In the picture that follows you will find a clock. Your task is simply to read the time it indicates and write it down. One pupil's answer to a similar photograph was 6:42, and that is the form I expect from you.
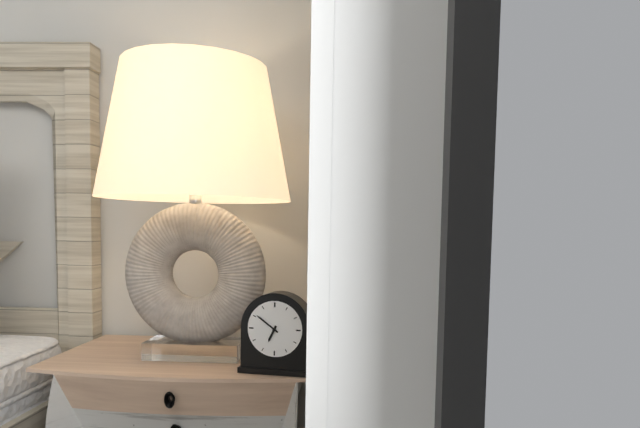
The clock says 6:51
